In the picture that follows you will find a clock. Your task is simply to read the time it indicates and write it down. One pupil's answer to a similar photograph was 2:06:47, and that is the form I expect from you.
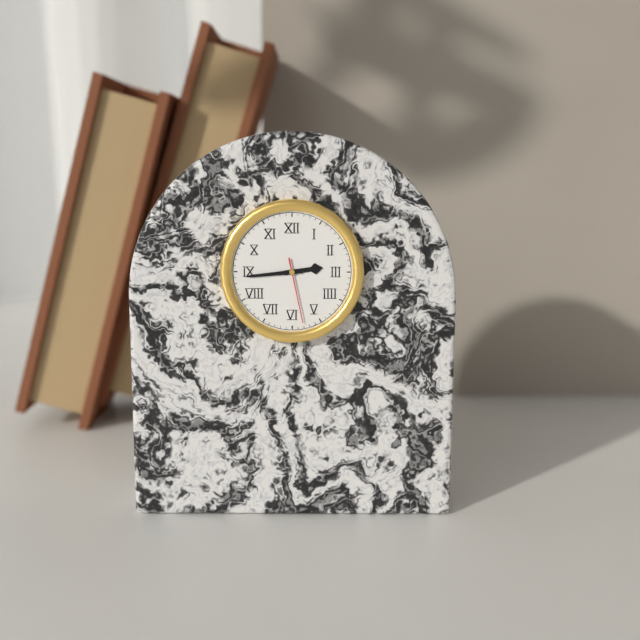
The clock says 2:44:28
